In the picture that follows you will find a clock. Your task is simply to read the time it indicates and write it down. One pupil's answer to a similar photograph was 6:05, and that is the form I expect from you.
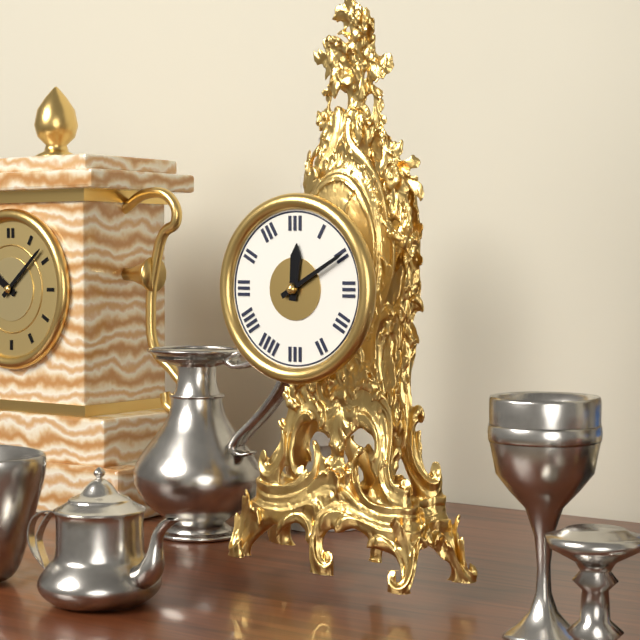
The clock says 12:10
